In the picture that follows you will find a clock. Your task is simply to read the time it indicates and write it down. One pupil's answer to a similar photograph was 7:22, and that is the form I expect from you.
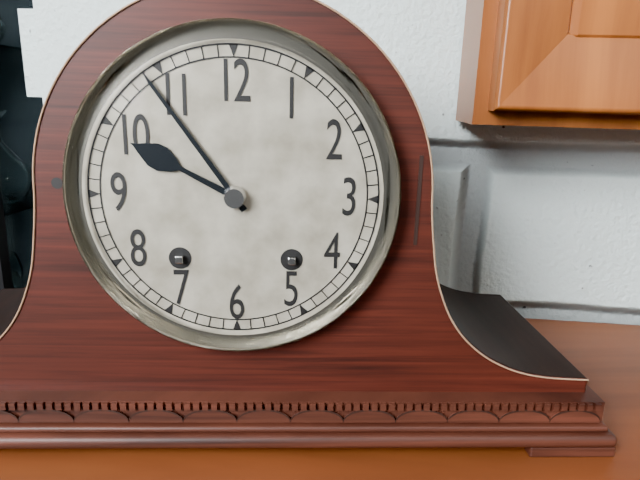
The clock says 9:54
